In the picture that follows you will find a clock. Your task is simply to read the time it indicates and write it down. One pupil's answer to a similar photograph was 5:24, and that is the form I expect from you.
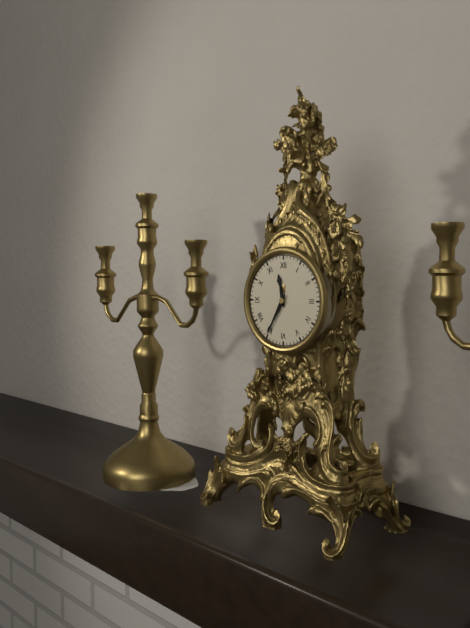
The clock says 11:35
